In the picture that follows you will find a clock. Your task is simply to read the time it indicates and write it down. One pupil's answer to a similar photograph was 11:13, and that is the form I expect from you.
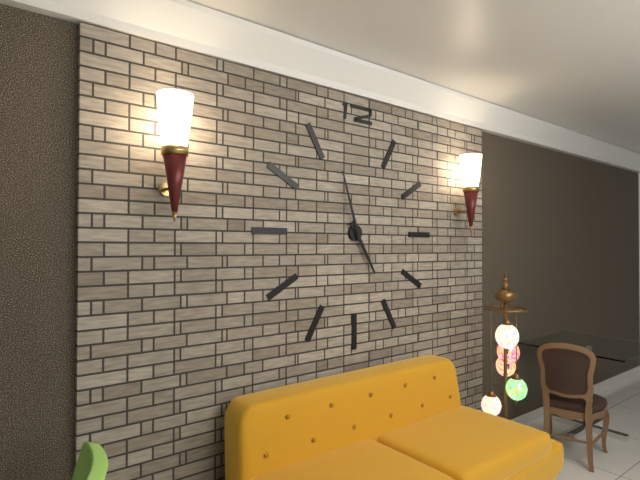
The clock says 4:57
